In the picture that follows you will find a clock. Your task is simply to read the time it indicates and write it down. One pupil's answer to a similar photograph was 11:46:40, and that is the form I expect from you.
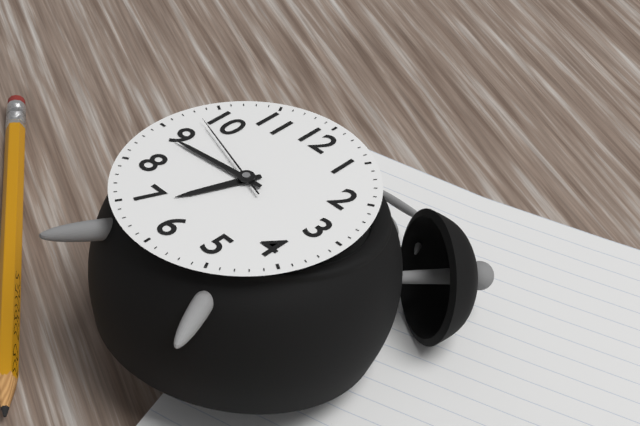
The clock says 6:44:48
